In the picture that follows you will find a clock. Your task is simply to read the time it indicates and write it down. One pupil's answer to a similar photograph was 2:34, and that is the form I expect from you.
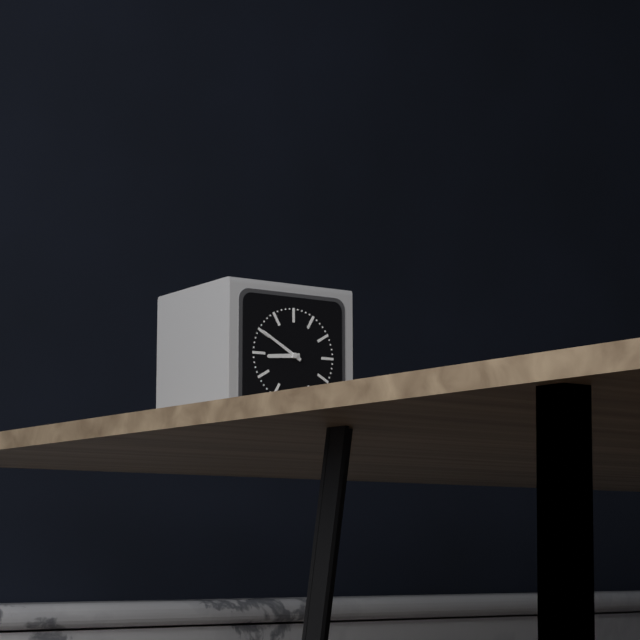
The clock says 8:50
